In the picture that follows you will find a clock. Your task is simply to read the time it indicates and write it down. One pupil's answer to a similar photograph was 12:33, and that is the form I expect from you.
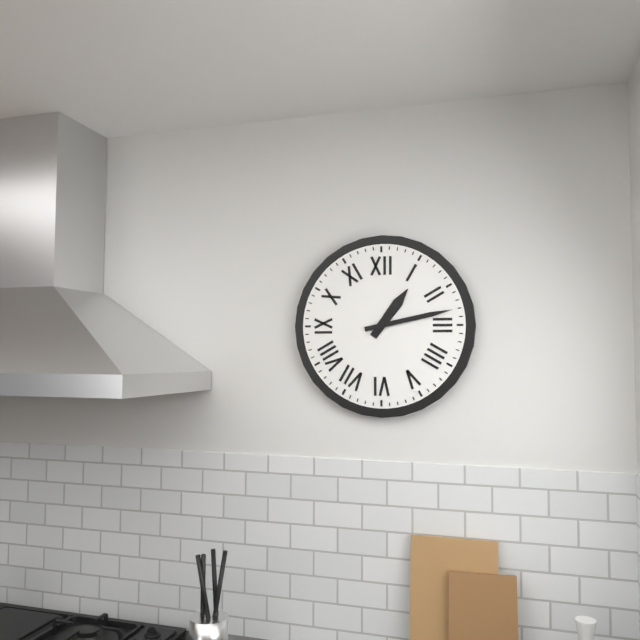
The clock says 1:13
